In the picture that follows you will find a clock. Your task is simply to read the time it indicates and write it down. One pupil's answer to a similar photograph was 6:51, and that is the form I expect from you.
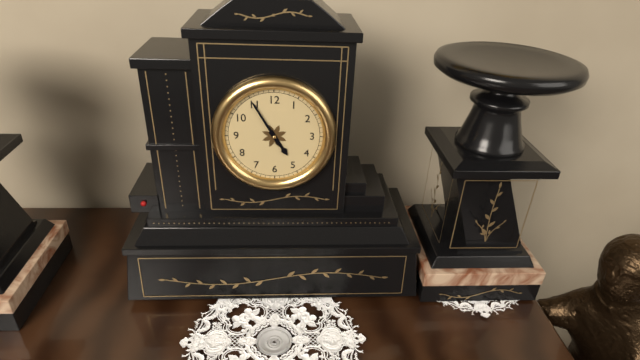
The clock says 4:55
